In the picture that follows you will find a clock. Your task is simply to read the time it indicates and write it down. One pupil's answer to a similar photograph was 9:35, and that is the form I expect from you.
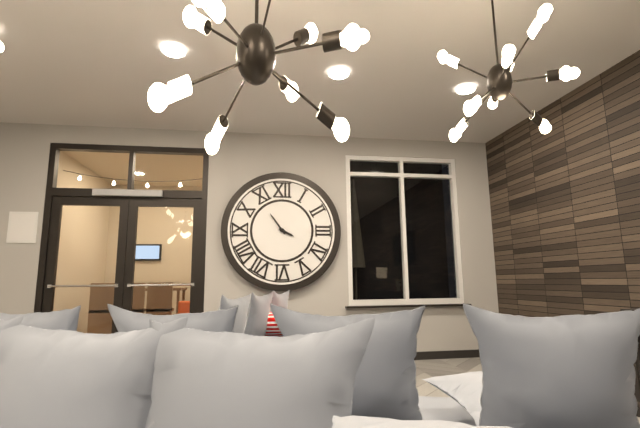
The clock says 3:54
